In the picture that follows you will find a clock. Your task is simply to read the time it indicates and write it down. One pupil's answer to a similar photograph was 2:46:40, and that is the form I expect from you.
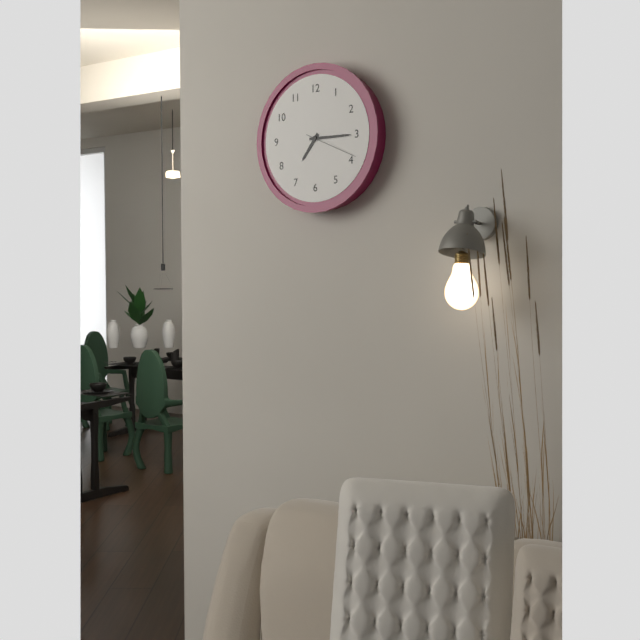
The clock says 7:15:19
